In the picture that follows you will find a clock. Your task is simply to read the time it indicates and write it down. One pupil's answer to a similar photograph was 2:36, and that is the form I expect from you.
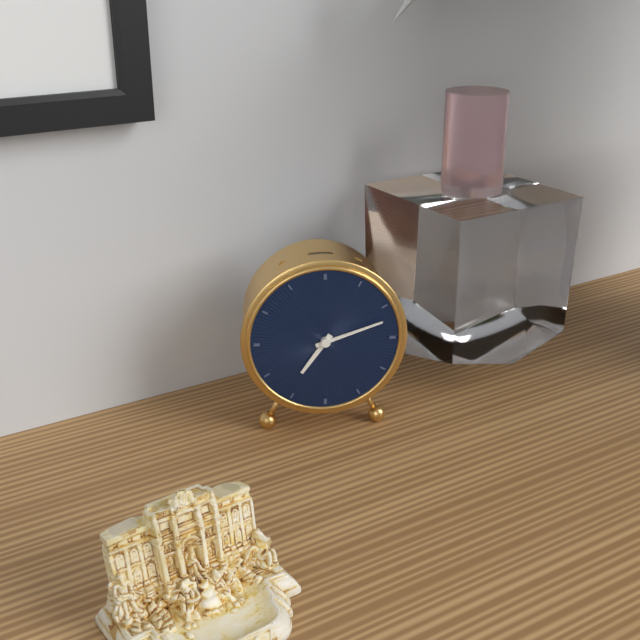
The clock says 7:12
